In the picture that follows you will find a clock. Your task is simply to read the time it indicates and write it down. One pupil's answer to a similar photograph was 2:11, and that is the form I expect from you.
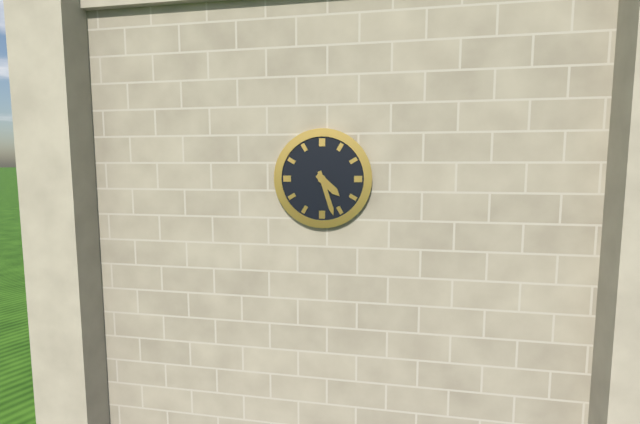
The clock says 4:27
